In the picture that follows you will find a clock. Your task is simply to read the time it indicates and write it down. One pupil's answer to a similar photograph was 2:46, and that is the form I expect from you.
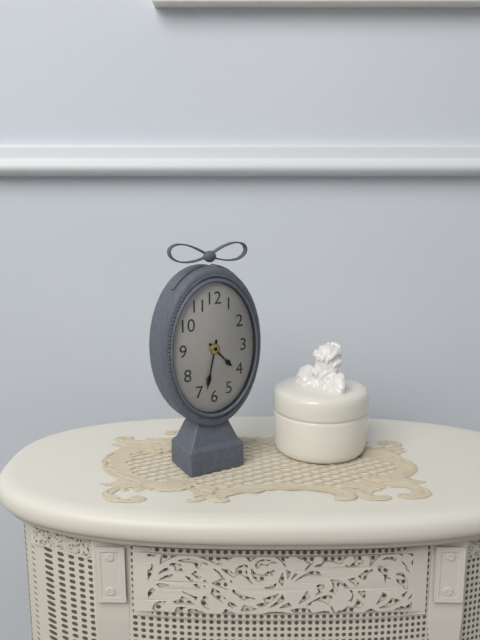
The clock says 4:32
